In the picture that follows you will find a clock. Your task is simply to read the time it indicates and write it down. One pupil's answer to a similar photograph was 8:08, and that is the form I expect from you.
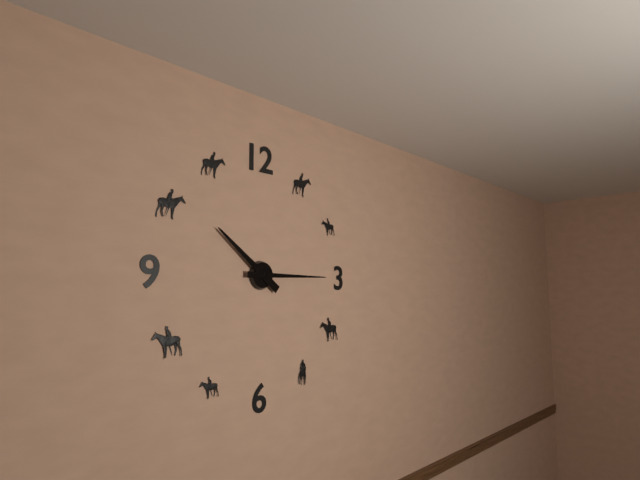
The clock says 10:15
